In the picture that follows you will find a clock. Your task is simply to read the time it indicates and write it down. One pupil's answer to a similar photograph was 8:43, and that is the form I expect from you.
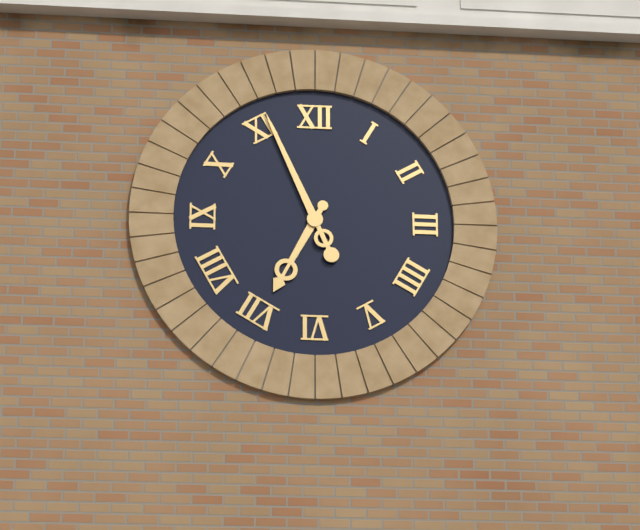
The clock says 6:56
